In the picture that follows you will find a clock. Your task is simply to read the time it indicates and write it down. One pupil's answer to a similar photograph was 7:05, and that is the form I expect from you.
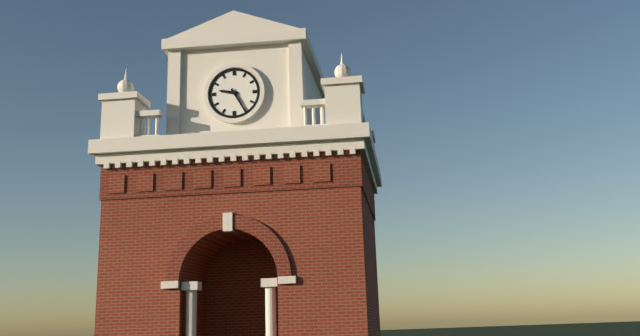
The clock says 9:25
